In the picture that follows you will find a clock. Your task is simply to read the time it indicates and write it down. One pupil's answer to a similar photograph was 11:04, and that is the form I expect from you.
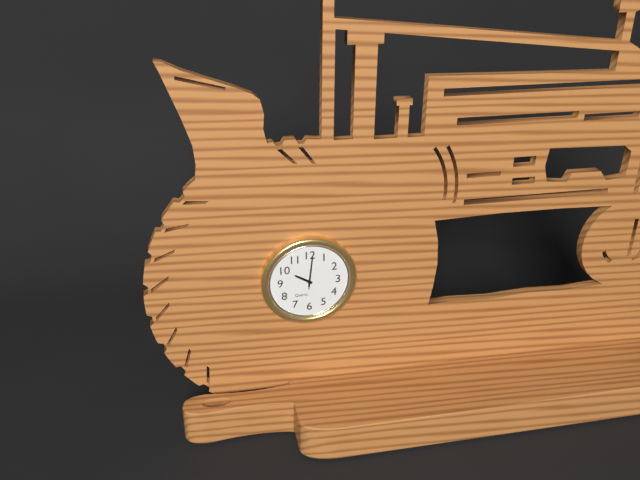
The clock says 10:01
